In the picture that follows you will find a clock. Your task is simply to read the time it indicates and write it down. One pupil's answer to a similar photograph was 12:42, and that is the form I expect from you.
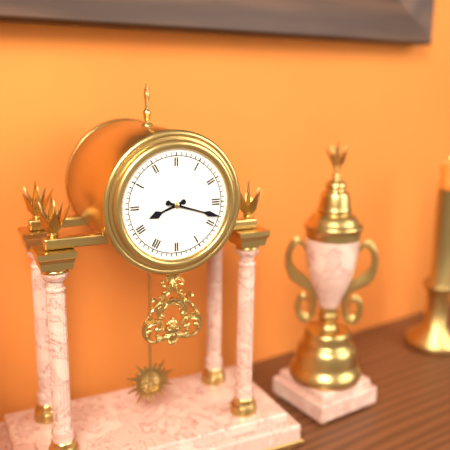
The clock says 8:18
